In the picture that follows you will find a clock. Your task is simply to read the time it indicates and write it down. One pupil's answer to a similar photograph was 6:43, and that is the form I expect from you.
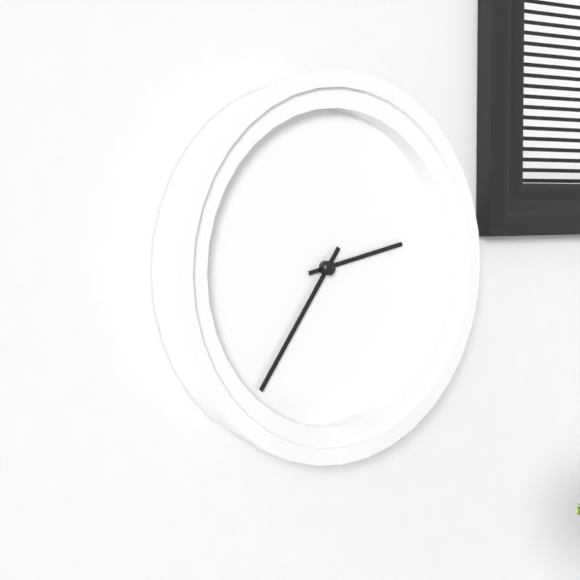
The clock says 2:36
